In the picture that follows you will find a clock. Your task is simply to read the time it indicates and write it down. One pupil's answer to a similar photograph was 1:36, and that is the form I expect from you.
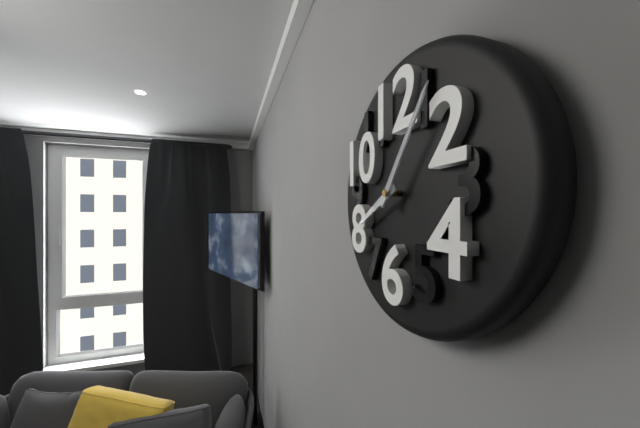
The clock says 8:06
